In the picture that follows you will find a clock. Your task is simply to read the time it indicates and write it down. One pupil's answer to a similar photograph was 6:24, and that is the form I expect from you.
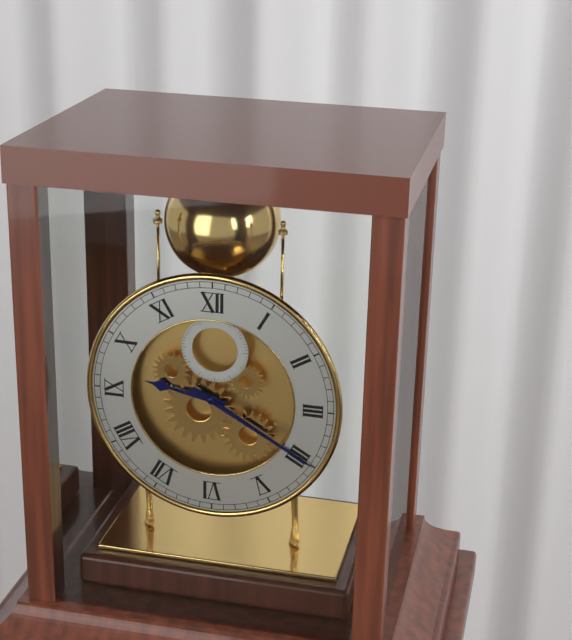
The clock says 9:20
